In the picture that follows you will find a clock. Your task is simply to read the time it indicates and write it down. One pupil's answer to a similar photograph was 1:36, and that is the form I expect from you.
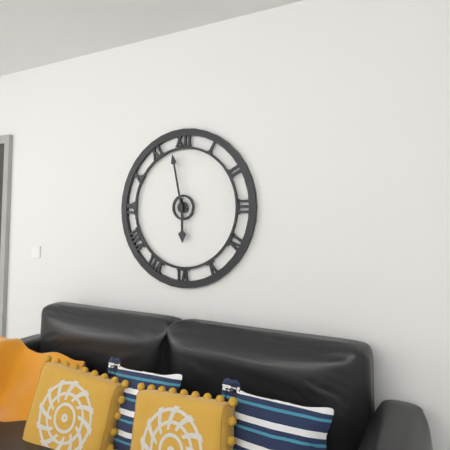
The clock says 5:58
